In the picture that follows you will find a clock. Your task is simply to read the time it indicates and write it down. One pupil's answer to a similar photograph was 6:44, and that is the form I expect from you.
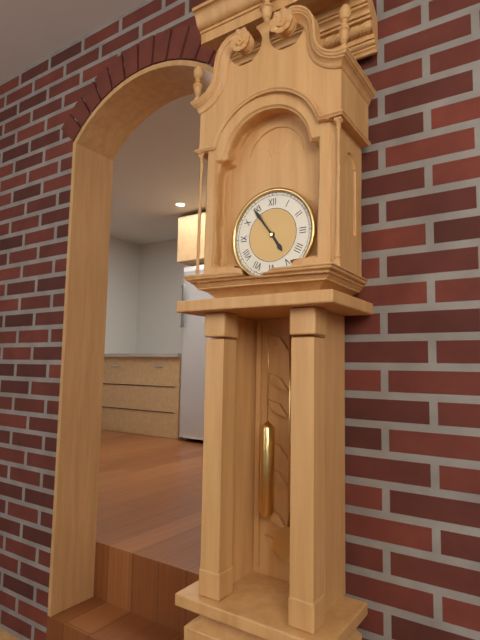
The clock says 4:54
